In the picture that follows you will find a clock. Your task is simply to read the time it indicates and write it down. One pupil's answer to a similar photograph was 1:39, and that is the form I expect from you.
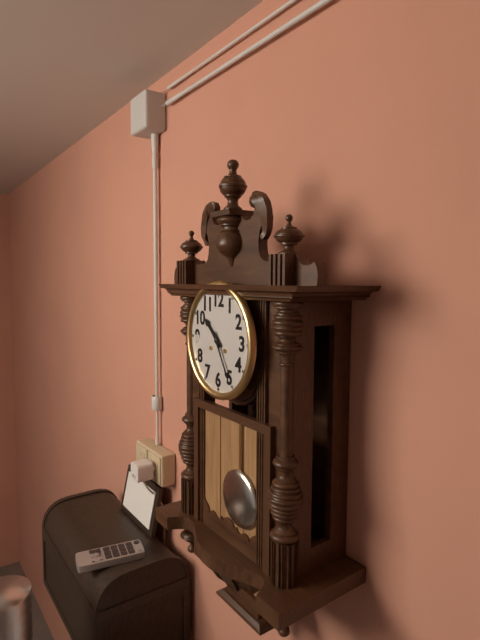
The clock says 10:25
